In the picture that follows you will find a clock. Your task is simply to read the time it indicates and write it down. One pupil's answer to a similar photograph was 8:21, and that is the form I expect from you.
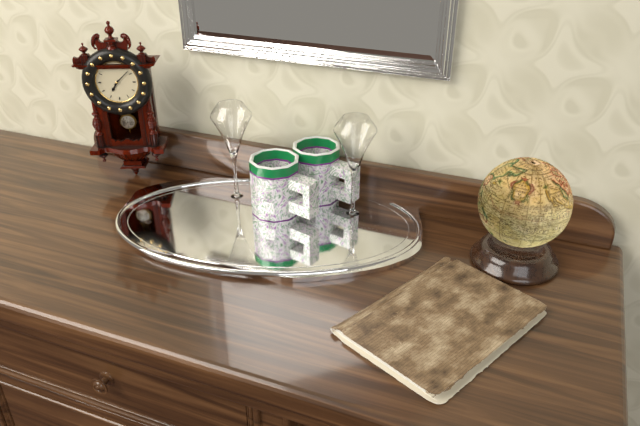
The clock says 7:08
